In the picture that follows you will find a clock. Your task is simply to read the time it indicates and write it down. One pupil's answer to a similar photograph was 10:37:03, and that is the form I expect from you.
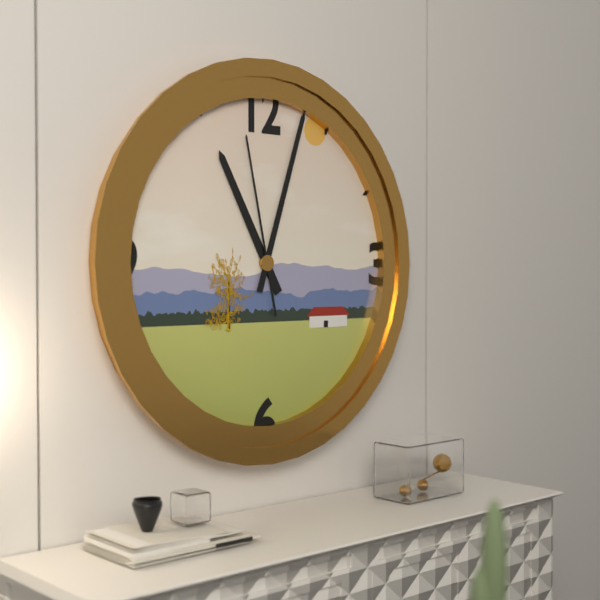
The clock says 11:03:58
